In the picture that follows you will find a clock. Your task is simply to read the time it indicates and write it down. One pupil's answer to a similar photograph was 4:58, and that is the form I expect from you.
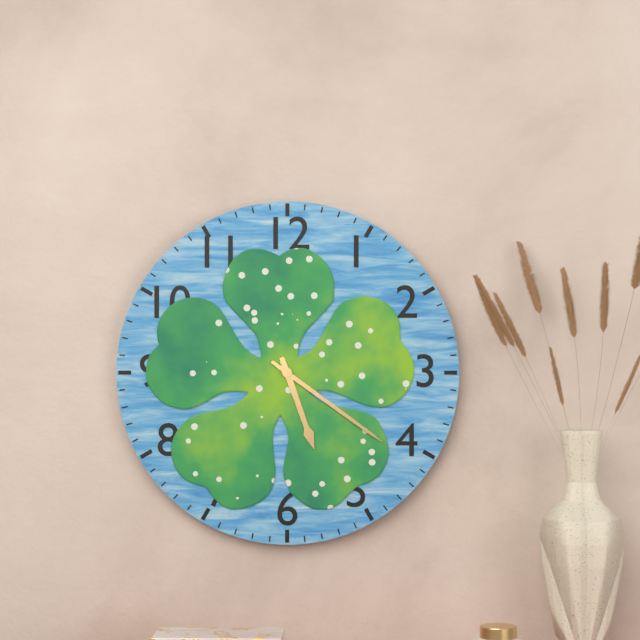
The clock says 5:21
